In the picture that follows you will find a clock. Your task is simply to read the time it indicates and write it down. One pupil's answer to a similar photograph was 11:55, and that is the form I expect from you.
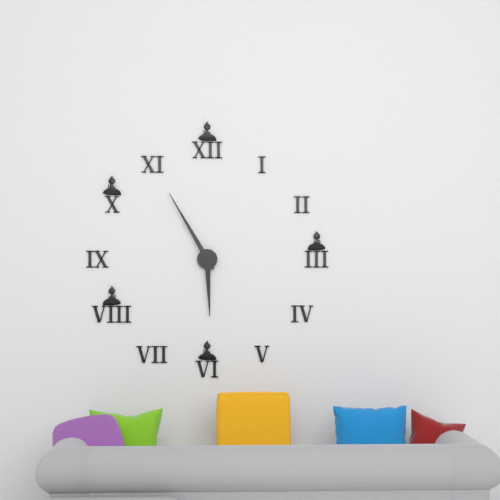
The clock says 5:55
